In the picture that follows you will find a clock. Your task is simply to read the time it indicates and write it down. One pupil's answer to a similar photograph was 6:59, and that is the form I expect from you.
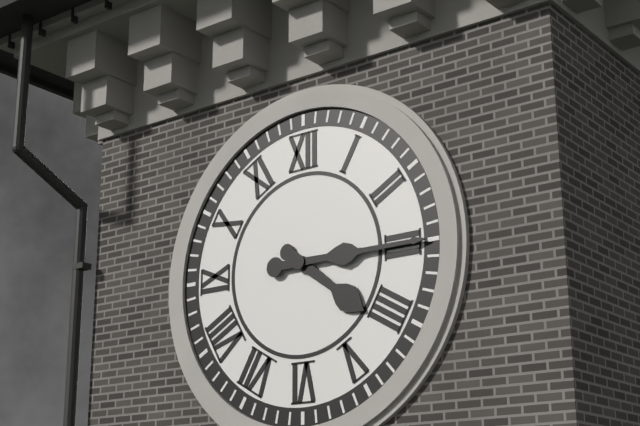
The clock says 4:15
